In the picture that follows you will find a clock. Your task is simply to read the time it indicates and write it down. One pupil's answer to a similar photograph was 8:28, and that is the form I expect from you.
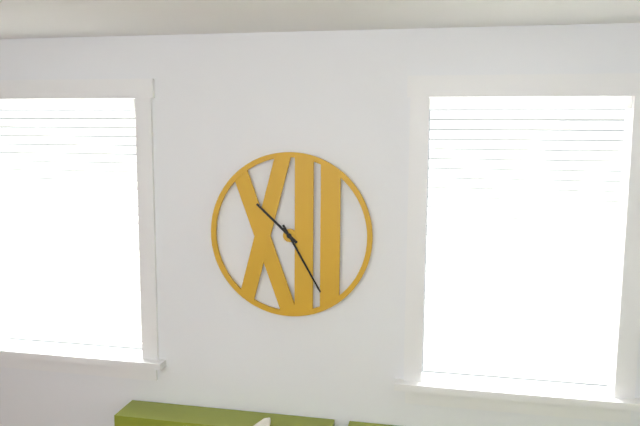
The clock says 10:25
